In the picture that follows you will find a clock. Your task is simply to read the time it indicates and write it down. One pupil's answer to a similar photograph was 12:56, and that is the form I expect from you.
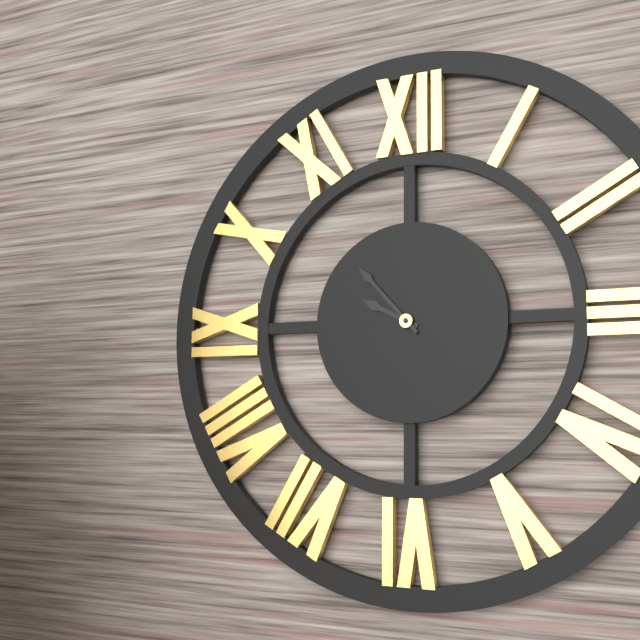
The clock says 9:53
